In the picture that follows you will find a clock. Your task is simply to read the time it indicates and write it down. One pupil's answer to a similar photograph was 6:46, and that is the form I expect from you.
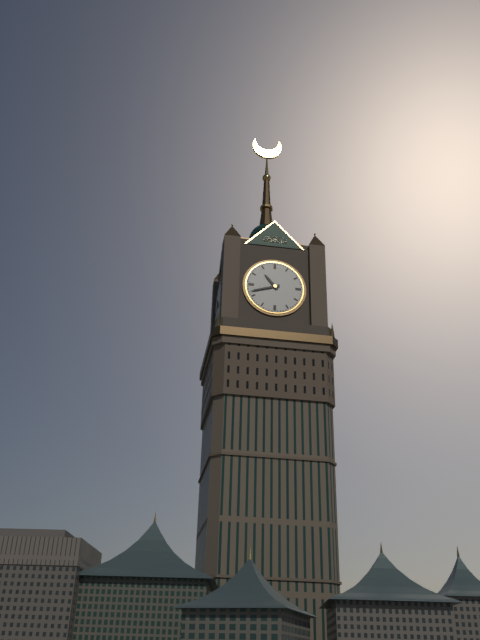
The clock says 10:42
